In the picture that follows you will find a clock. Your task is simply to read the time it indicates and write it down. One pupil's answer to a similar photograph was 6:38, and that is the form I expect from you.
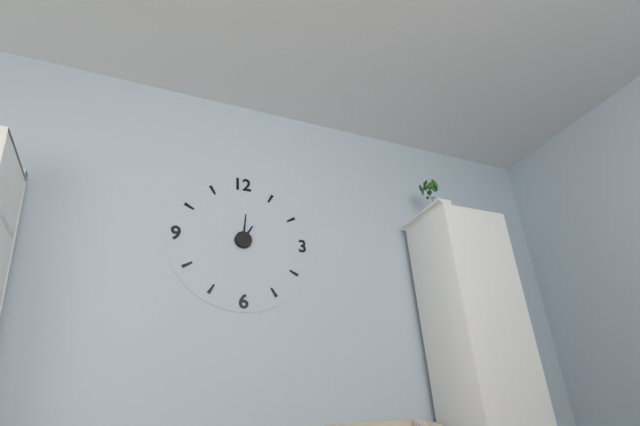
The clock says 1:01
